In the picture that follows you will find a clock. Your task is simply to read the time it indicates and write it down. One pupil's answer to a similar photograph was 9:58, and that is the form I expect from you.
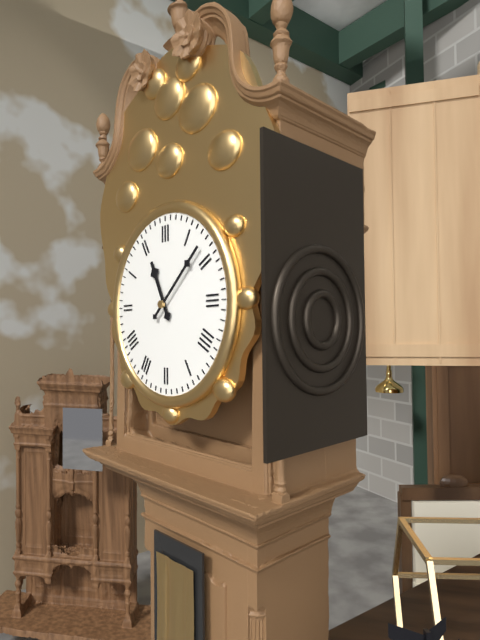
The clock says 11:08
